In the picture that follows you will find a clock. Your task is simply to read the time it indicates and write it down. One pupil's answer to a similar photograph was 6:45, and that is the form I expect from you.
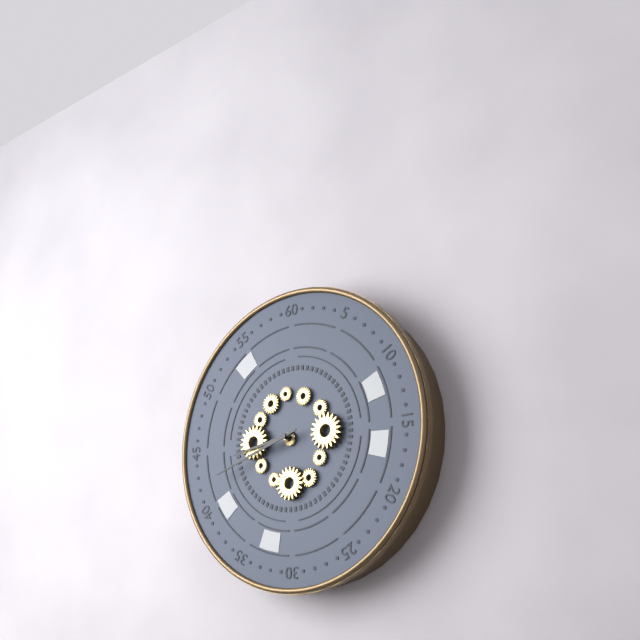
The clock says 8:42
